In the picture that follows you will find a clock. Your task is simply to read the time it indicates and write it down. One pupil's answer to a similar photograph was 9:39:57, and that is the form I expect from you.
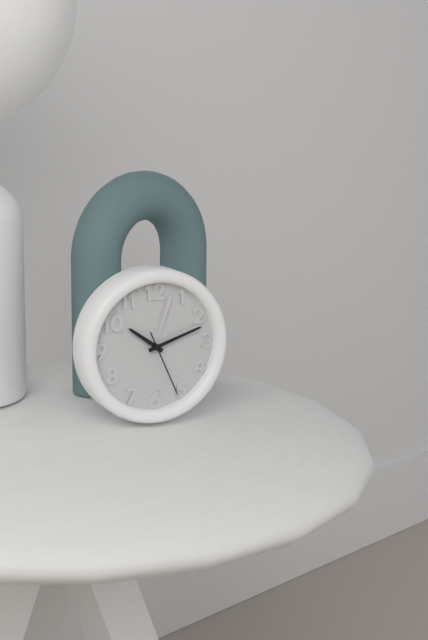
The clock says 10:12:26
